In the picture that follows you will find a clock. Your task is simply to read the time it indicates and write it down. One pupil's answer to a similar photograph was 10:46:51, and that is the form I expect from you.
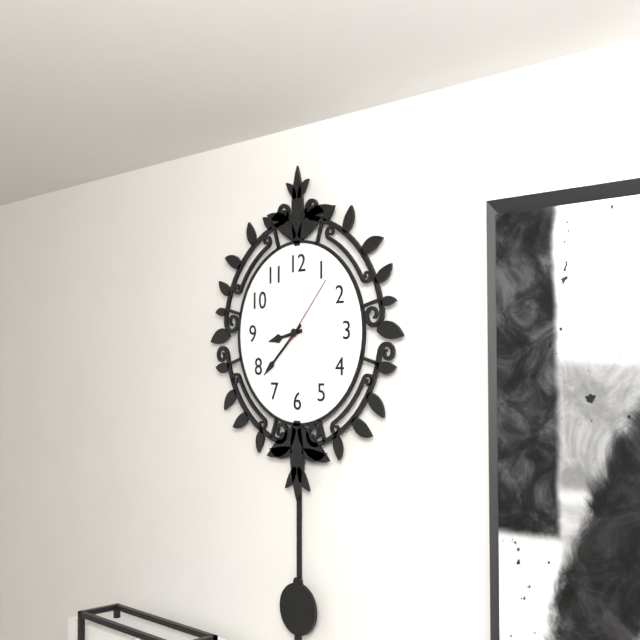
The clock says 8:38:07
